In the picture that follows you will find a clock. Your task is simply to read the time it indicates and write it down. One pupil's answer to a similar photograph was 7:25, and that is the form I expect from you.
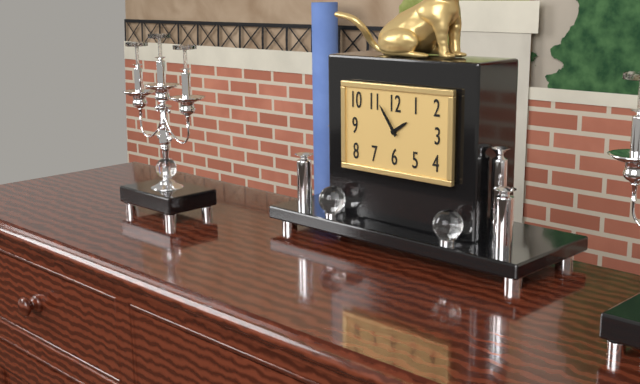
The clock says 1:54
